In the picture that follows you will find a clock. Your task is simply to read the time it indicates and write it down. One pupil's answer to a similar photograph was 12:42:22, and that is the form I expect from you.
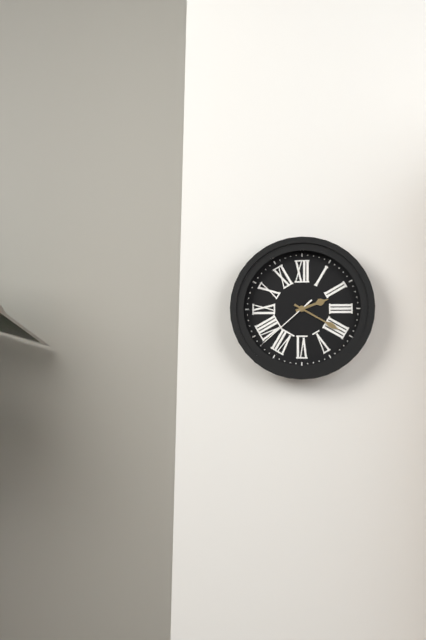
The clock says 2:20:38
